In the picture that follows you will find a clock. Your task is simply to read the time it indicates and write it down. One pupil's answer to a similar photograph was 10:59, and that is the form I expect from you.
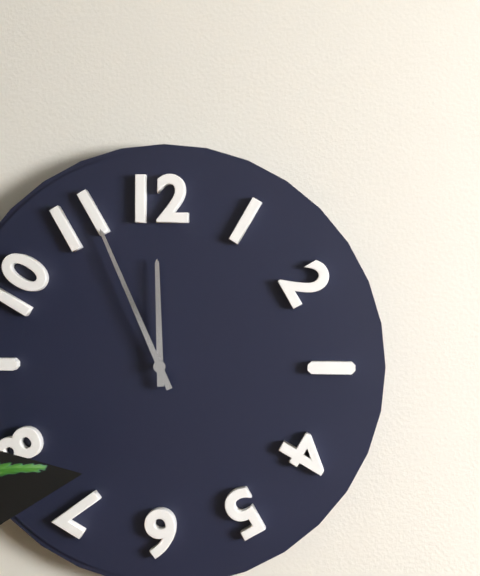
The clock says 11:56
